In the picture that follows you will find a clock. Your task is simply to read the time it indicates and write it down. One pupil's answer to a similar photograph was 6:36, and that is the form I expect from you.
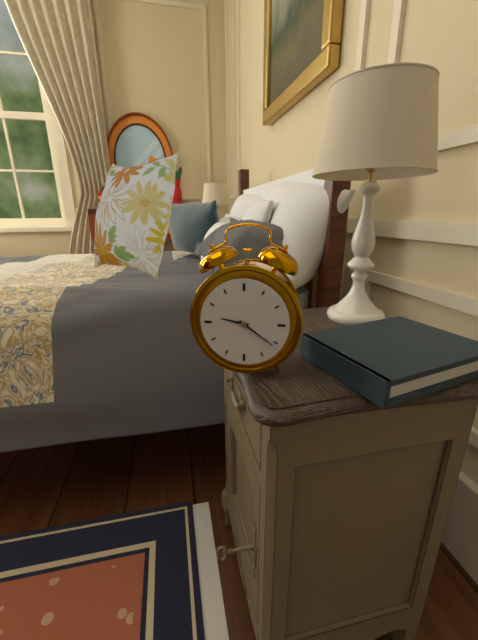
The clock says 9:21
